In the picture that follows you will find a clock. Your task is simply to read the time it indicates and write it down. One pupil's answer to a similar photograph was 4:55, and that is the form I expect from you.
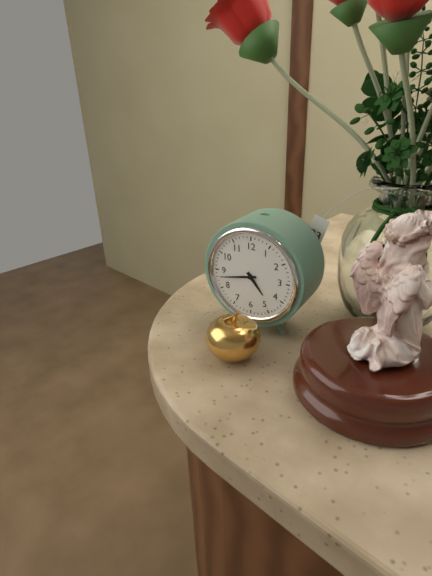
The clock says 4:43
